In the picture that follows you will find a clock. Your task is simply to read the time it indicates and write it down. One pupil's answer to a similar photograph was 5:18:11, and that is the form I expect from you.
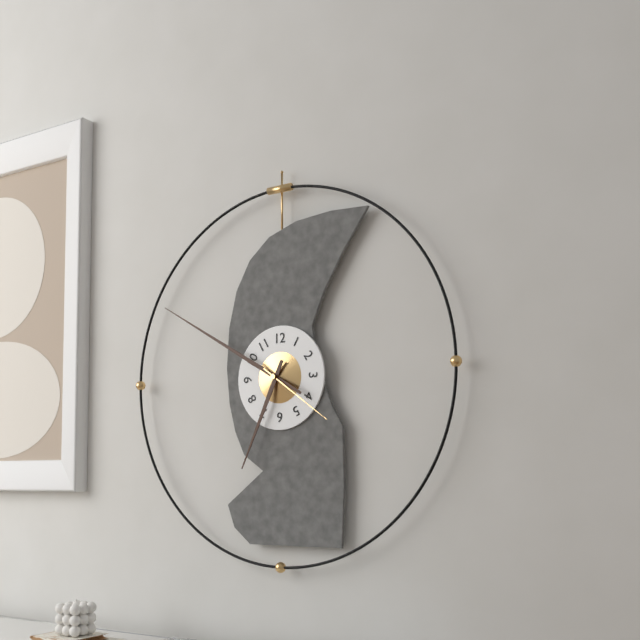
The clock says 6:50:21
